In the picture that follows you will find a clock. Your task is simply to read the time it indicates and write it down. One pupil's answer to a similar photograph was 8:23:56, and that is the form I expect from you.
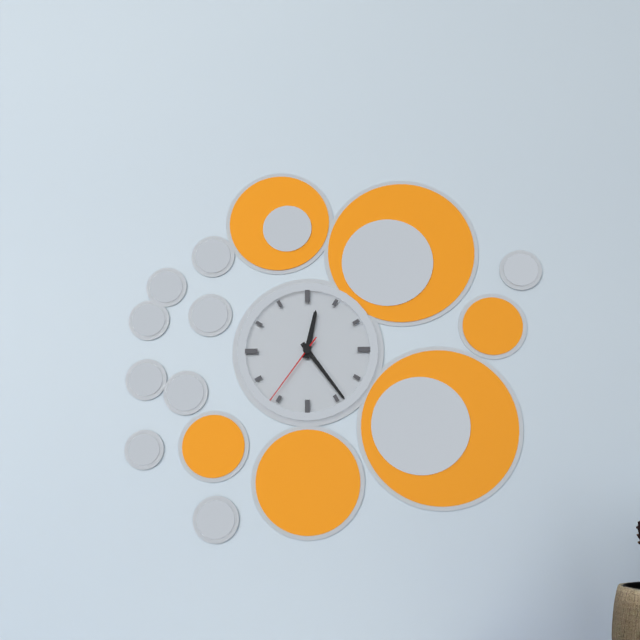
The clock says 12:24:36
